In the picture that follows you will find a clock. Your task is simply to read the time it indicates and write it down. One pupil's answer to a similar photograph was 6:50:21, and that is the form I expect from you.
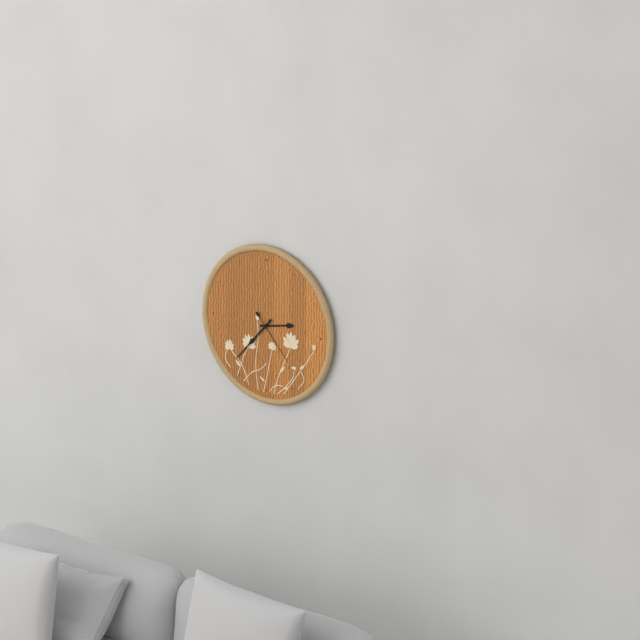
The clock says 2:37:23
